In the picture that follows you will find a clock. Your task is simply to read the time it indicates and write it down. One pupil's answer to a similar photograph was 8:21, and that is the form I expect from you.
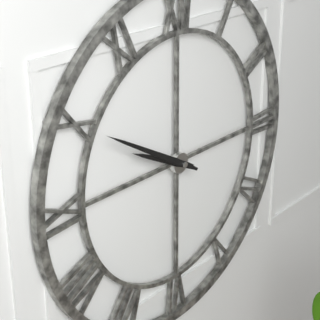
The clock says 9:50
